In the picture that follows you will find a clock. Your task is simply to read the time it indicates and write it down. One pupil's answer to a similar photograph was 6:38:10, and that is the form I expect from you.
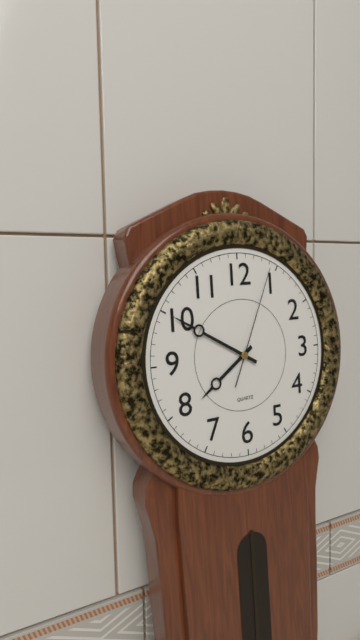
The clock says 7:50:04
